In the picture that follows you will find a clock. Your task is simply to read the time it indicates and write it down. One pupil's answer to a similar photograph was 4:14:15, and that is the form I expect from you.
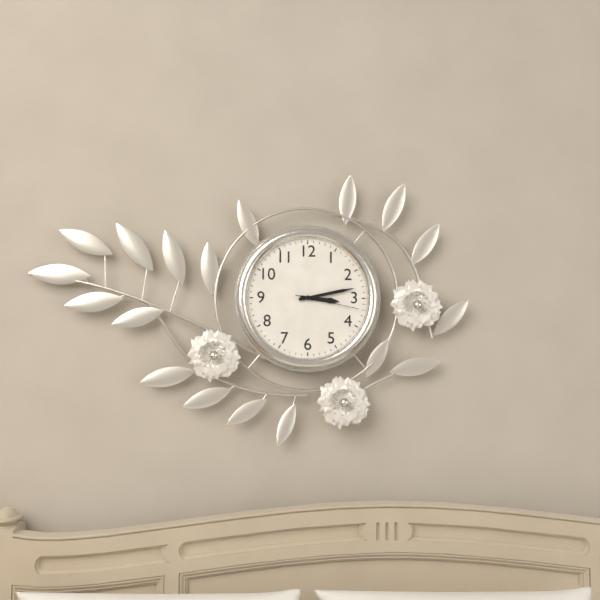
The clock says 3:13:17
